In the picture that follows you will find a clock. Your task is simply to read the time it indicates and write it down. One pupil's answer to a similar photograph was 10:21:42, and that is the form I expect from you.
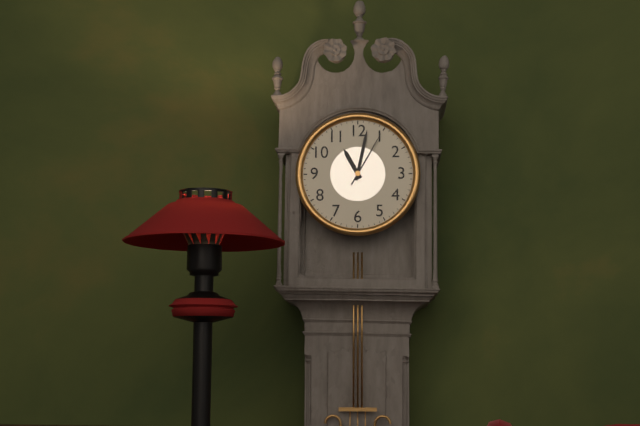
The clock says 11:02:05
